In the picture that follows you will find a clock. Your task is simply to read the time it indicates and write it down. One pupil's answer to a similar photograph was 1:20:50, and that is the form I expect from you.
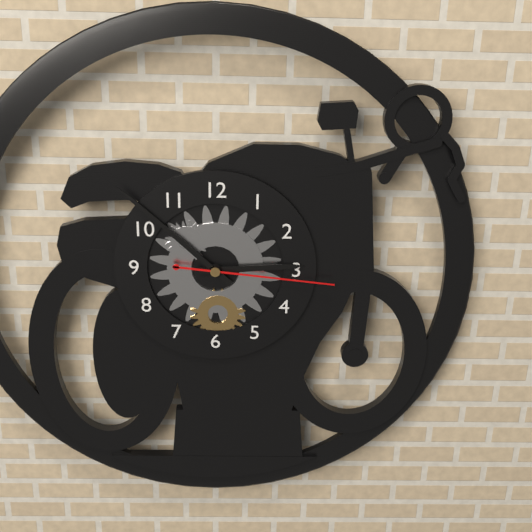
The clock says 2:52:16
